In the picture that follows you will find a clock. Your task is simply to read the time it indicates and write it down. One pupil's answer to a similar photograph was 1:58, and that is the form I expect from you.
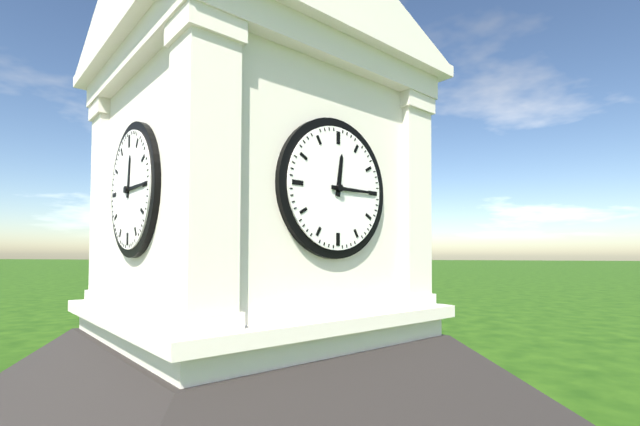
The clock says 12:15
